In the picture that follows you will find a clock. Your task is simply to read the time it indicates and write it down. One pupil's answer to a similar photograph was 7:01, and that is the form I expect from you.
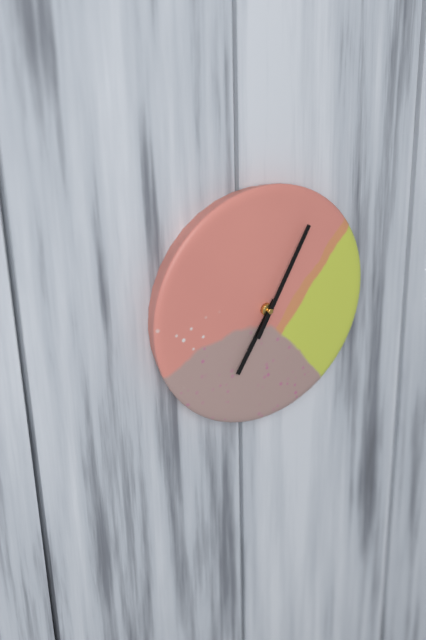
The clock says 7:05
